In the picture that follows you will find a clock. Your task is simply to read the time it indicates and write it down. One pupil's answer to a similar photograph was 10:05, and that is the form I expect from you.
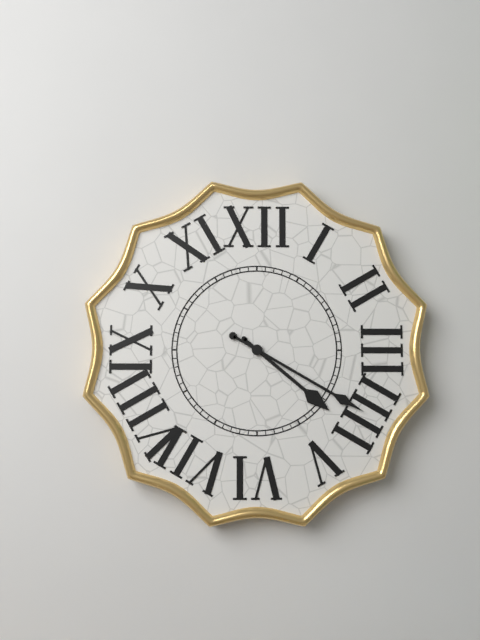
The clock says 4:20
